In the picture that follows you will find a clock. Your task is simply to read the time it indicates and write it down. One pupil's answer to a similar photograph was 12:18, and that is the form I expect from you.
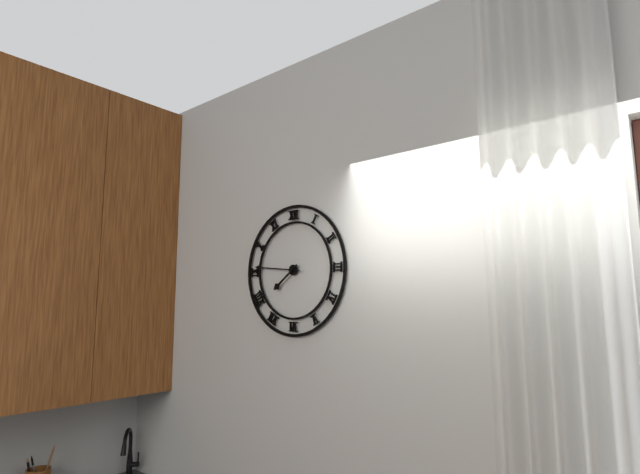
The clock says 7:46
